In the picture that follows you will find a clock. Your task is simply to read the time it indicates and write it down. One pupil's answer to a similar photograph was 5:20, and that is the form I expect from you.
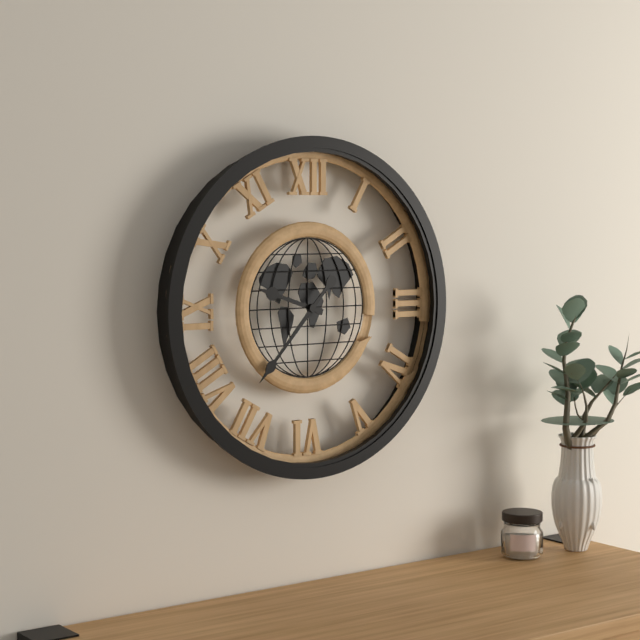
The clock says 9:37
